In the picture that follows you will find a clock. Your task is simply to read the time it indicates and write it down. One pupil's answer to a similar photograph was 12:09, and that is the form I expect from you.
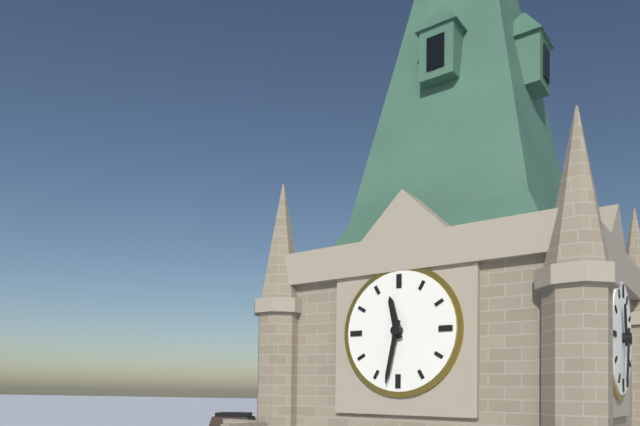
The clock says 11:32
